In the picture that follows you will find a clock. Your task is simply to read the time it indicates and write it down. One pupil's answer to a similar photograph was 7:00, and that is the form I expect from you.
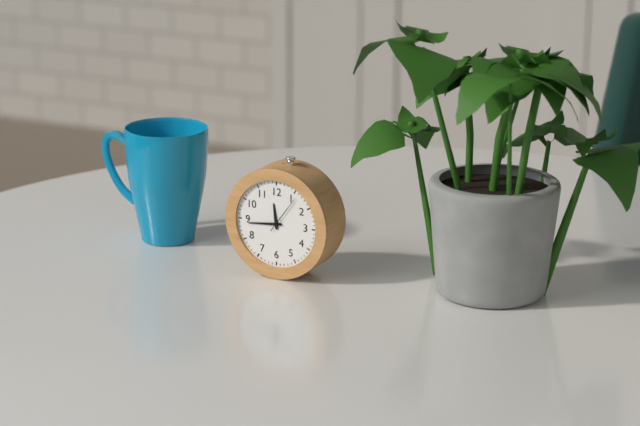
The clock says 11:44
